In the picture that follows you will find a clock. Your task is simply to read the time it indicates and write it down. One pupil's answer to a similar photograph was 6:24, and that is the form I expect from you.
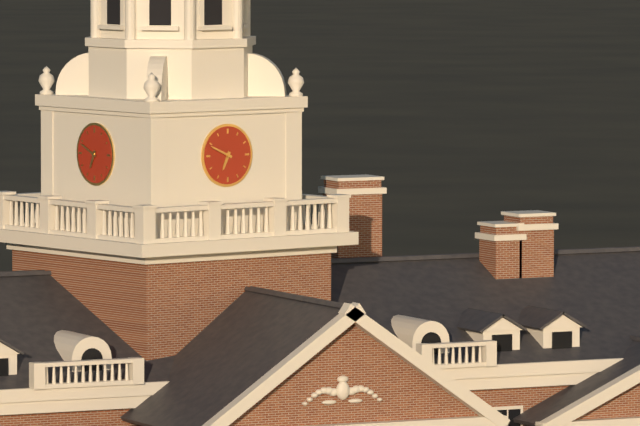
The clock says 6:49
